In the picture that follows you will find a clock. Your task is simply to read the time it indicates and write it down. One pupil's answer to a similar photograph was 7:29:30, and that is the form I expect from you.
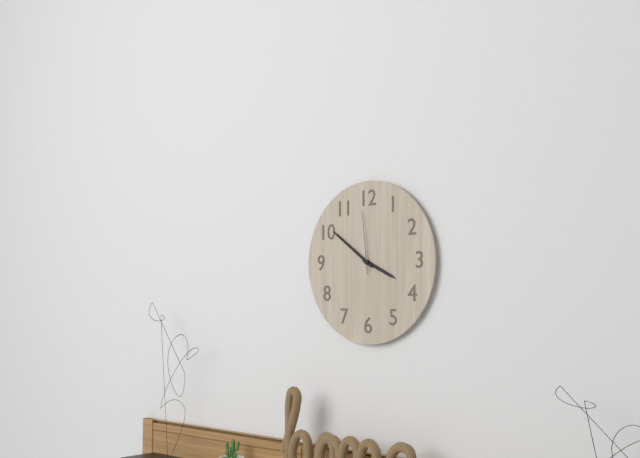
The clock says 3:51:59
